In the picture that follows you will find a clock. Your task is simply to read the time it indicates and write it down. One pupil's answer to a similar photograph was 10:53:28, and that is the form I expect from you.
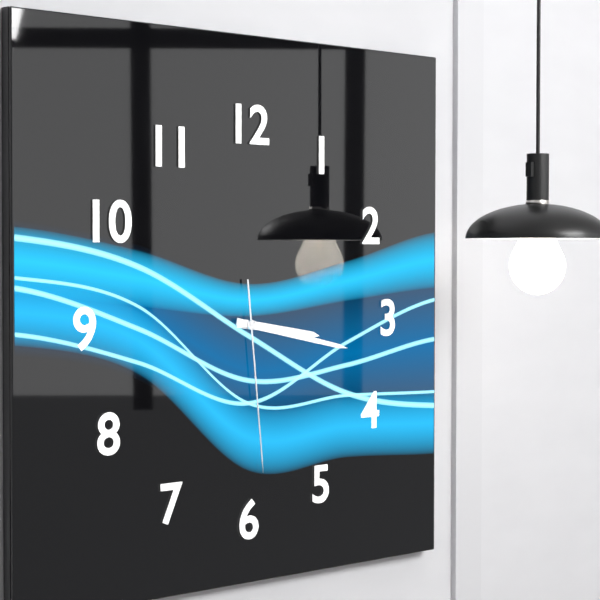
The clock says 3:17:29
